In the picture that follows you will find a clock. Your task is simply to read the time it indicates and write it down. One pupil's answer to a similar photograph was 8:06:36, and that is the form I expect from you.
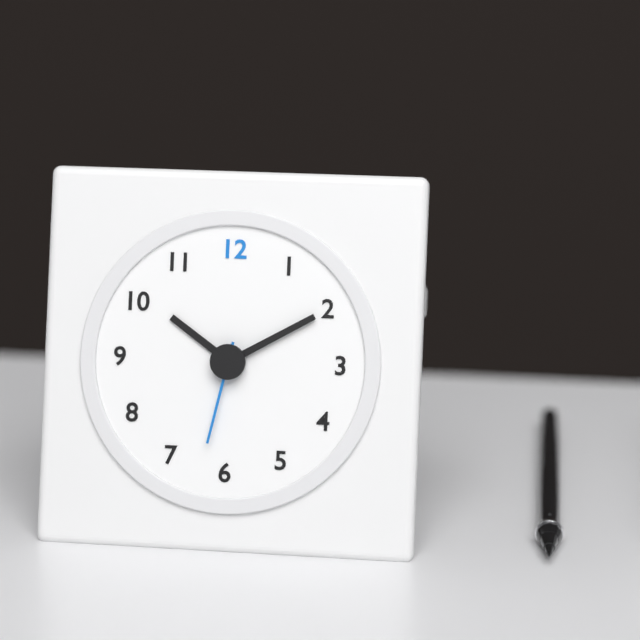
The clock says 10:10:32
